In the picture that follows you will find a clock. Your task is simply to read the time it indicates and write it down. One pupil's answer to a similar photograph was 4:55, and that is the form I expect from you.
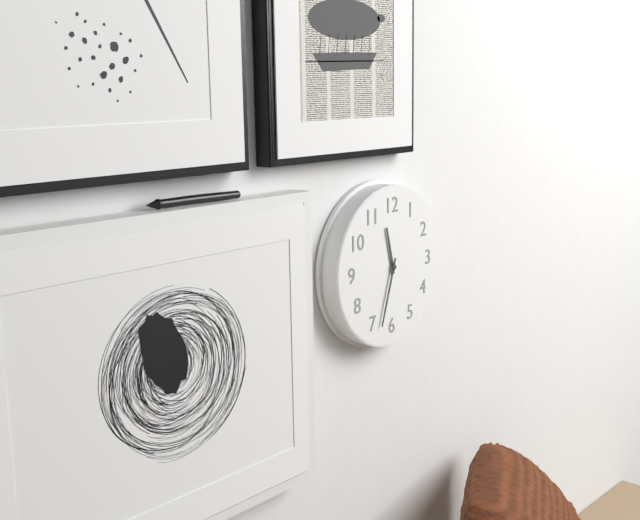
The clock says 11:33
